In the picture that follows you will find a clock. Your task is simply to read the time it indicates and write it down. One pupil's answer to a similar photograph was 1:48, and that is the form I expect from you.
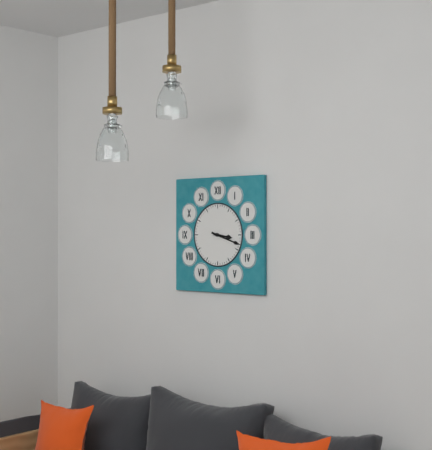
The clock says 3:18
